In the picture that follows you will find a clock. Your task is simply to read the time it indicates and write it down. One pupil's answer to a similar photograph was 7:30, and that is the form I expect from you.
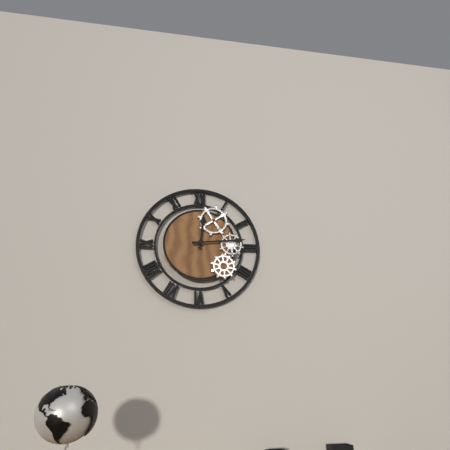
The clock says 12:14
